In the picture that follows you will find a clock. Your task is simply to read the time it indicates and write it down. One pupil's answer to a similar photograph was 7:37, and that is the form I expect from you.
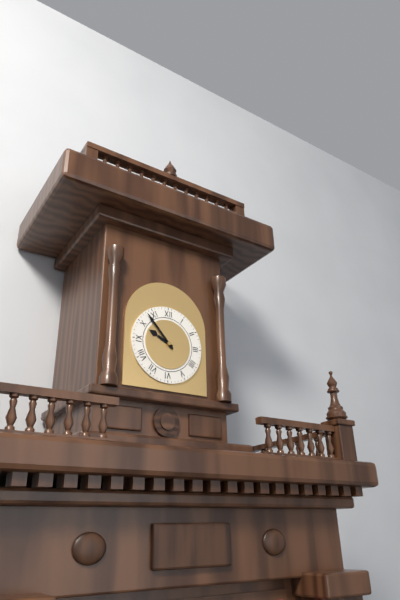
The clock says 9:53
